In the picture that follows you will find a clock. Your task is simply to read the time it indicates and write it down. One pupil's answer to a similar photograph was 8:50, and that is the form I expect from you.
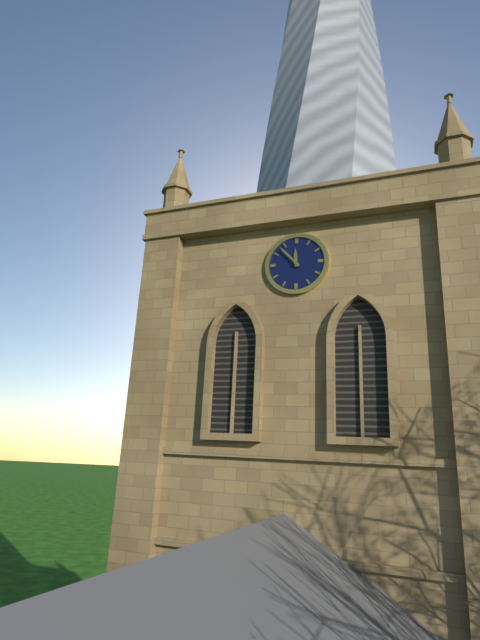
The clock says 11:53
